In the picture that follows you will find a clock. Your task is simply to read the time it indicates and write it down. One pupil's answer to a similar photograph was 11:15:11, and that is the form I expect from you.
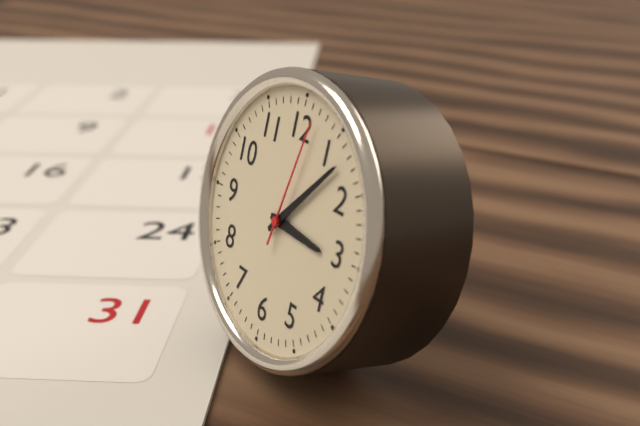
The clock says 3:07:02
